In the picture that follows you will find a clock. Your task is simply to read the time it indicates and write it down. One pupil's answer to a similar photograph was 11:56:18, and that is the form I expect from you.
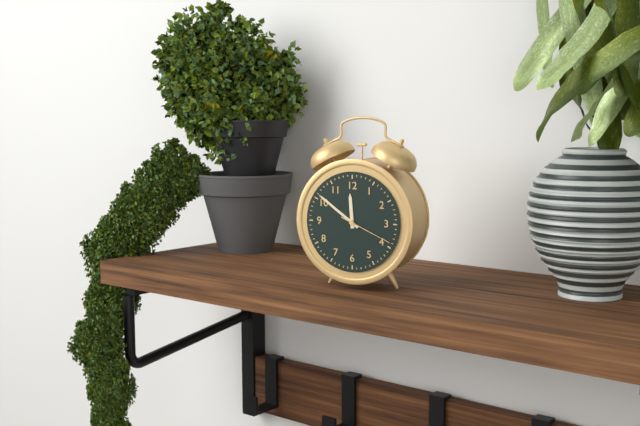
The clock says 11:51:19
